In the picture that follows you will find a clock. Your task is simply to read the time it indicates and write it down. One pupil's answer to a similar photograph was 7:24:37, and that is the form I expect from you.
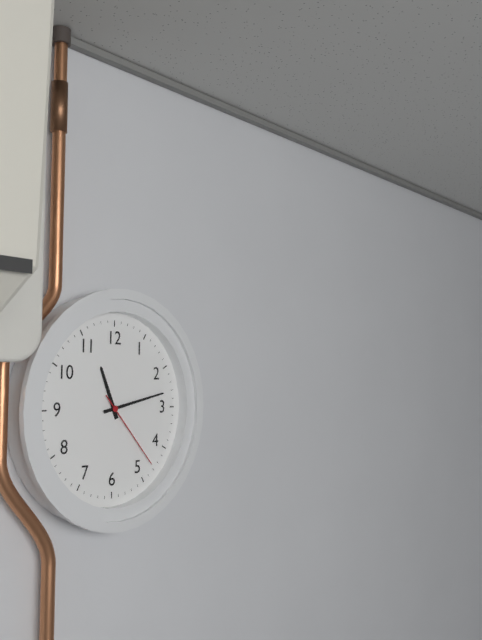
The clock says 11:13:23
